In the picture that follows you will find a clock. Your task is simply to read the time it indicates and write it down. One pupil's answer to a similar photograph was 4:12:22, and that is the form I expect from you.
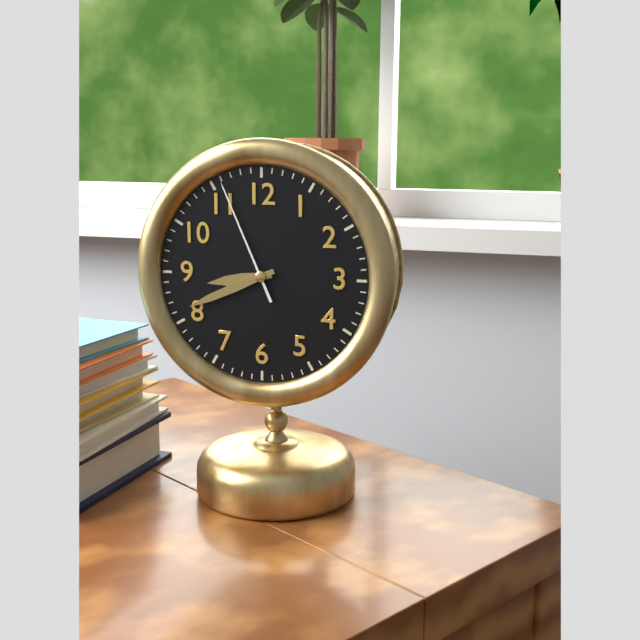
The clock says 8:41:56
